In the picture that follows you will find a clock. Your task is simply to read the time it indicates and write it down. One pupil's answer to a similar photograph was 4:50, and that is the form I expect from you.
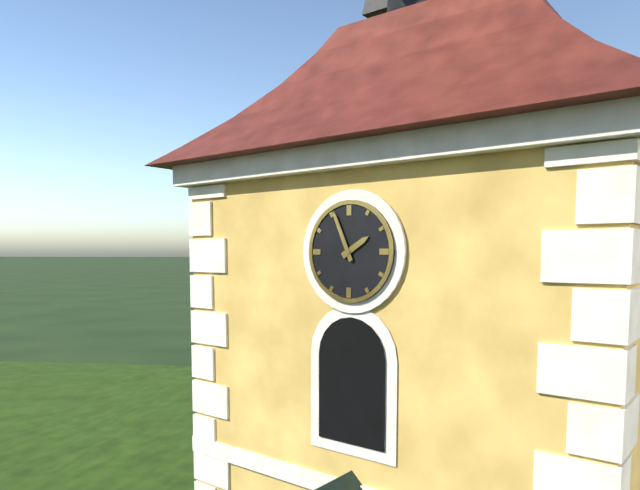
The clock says 1:56
